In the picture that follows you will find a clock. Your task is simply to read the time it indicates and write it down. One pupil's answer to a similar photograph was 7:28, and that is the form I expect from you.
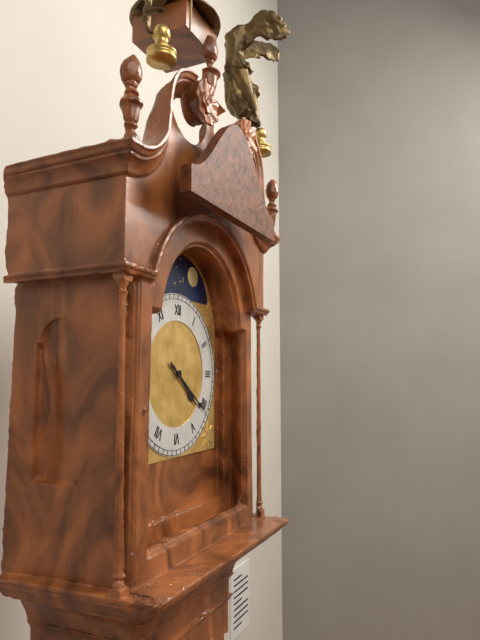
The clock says 4:21
